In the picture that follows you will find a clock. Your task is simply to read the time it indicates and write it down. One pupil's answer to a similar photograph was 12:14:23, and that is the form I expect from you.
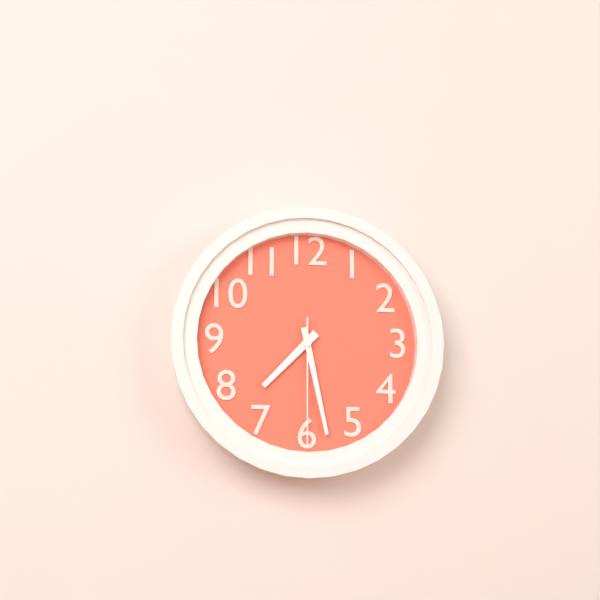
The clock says 7:28:30
